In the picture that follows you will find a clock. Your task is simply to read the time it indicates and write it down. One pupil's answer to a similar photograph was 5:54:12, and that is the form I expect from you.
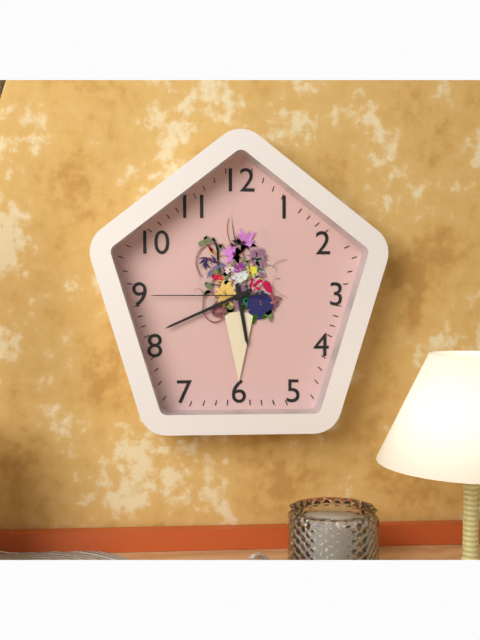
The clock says 5:41:45
